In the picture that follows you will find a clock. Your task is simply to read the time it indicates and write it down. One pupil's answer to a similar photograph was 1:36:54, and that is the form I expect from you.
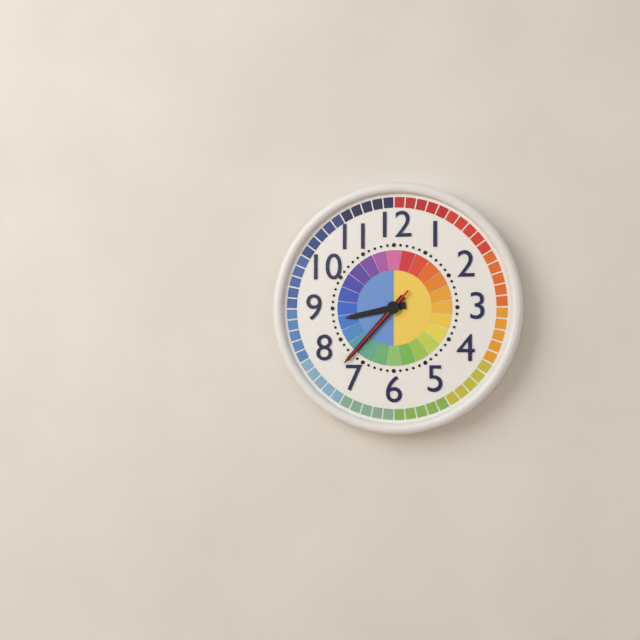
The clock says 8:37:37
